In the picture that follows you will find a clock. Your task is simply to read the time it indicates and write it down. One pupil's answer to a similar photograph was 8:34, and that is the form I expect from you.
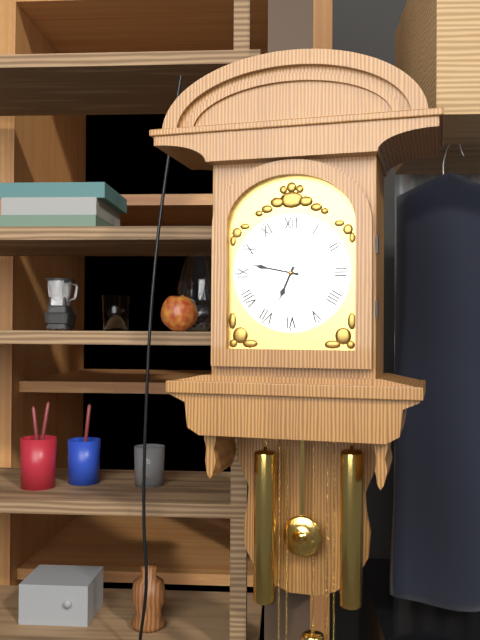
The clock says 6:47
